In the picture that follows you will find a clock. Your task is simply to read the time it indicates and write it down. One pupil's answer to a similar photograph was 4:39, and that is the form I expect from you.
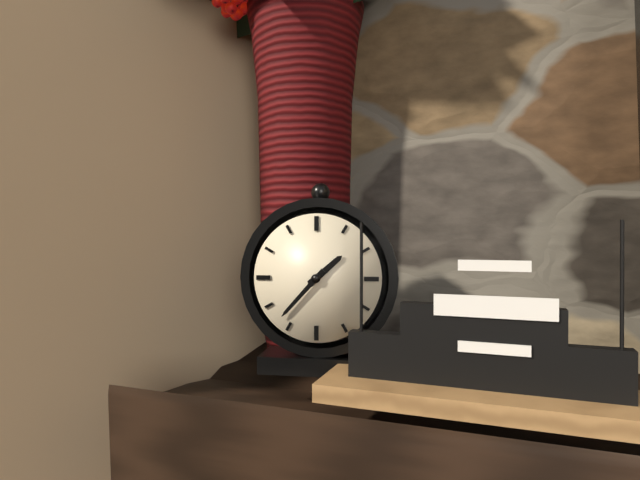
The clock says 1:37
